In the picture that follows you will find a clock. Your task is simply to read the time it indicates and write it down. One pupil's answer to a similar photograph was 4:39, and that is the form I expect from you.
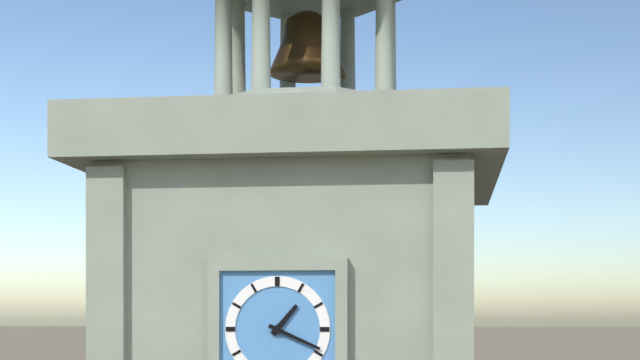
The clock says 1:19
